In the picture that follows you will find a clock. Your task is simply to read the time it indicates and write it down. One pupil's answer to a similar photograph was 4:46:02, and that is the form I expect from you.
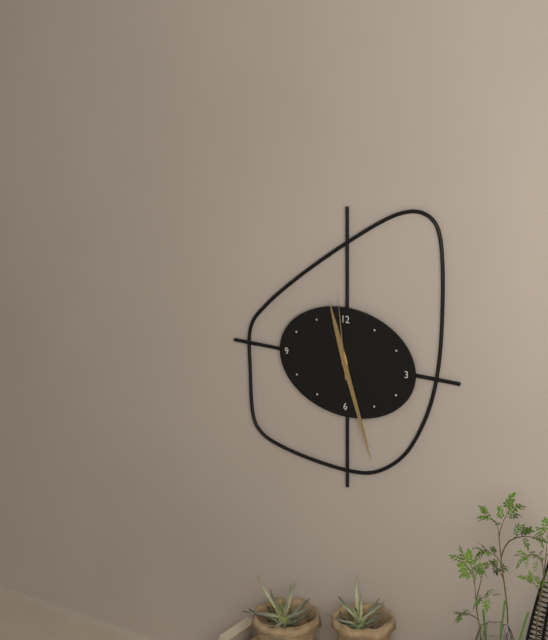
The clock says 11:27:59
